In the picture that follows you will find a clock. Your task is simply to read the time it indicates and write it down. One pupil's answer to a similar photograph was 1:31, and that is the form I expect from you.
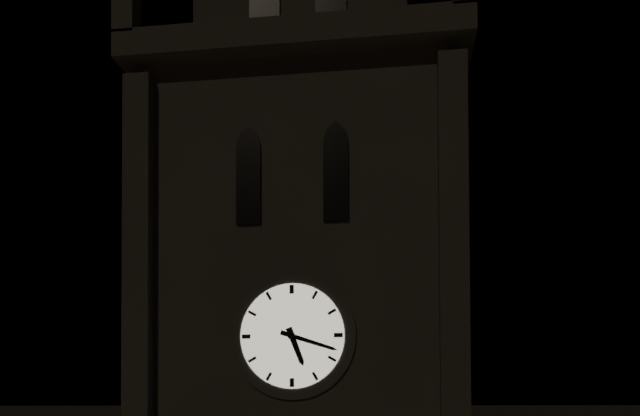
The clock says 5:18
